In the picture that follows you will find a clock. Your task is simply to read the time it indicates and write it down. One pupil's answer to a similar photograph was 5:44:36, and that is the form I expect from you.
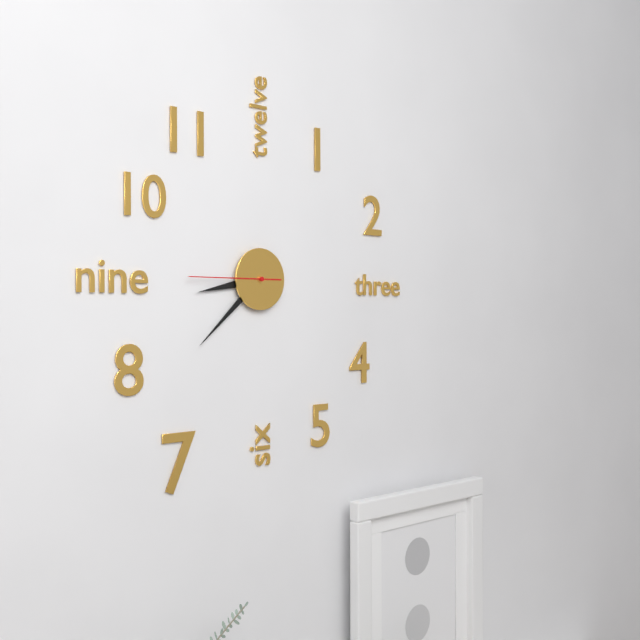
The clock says 8:38:45
